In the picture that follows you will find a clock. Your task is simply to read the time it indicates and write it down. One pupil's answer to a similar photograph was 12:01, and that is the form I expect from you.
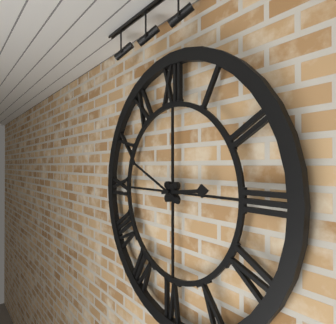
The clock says 2:49
